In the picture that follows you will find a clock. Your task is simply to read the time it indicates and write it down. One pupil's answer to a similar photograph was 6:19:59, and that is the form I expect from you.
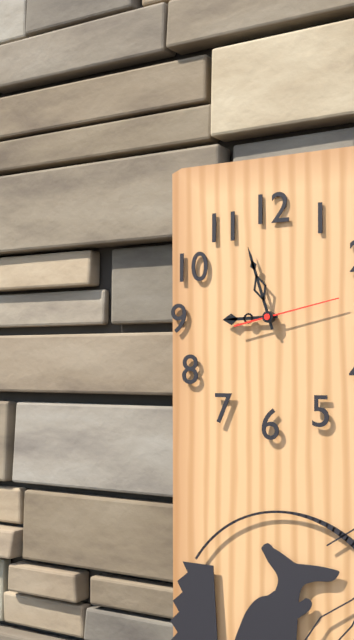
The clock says 8:57:13
